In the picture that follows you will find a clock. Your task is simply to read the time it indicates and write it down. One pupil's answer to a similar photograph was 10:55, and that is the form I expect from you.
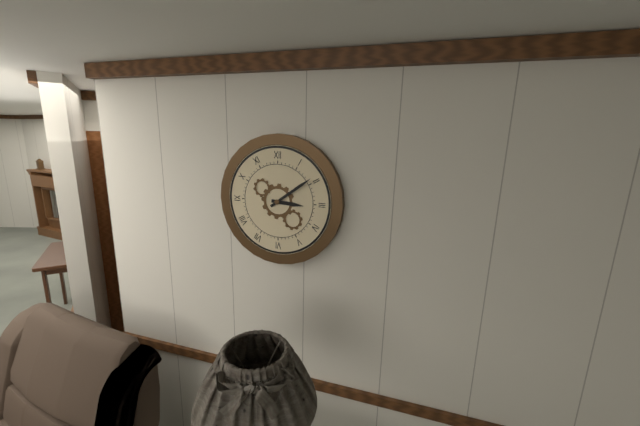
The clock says 3:09
